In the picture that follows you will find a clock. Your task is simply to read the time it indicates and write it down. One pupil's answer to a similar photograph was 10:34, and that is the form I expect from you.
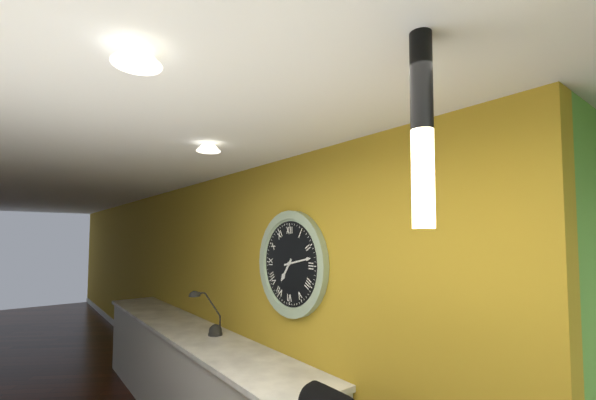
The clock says 7:13
